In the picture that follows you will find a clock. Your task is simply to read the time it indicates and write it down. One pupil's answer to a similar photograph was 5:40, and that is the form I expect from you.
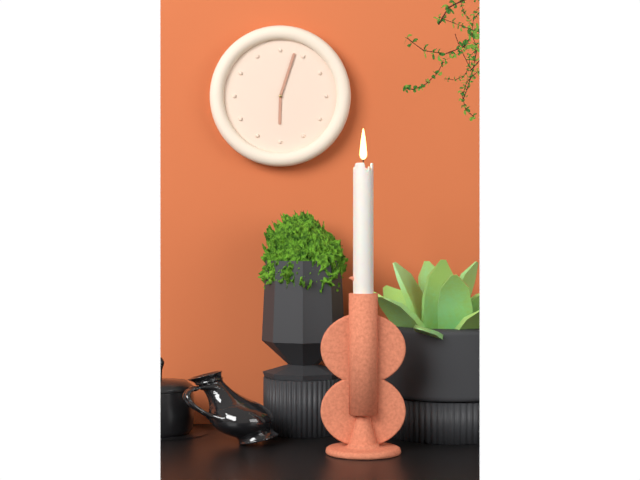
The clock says 6:03
